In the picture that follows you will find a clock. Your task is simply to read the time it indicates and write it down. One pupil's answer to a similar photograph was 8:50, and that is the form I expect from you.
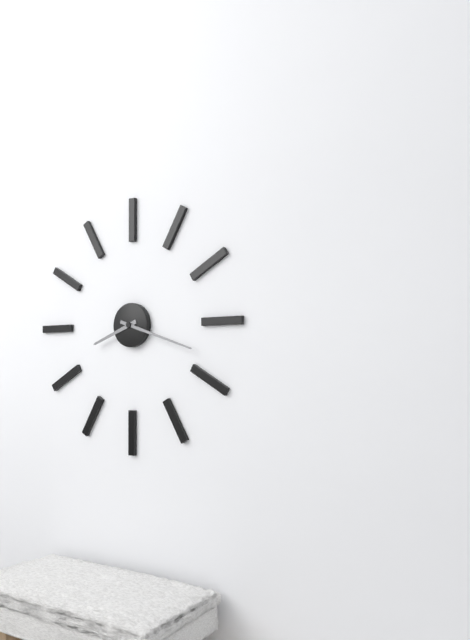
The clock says 8:18
